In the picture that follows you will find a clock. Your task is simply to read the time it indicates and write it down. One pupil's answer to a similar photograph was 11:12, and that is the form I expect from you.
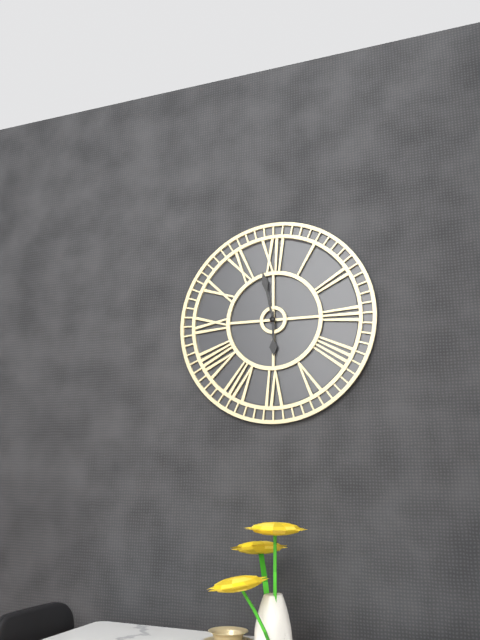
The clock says 5:58
